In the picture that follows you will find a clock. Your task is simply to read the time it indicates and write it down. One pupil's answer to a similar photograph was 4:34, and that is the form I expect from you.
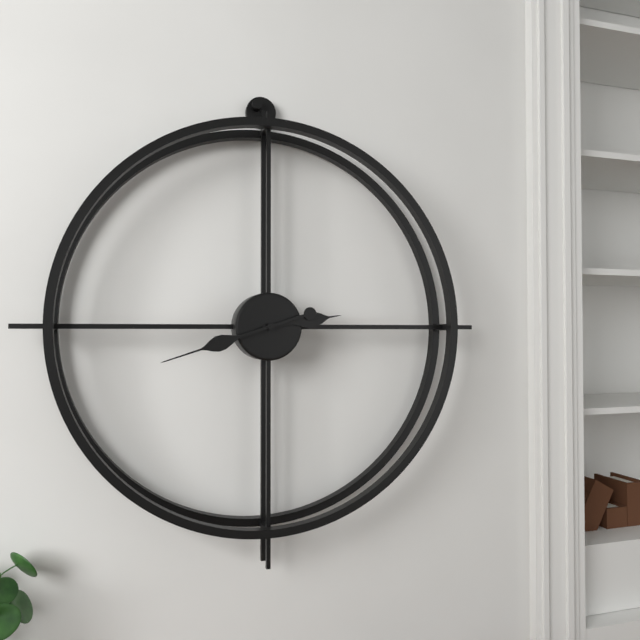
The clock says 2:42
